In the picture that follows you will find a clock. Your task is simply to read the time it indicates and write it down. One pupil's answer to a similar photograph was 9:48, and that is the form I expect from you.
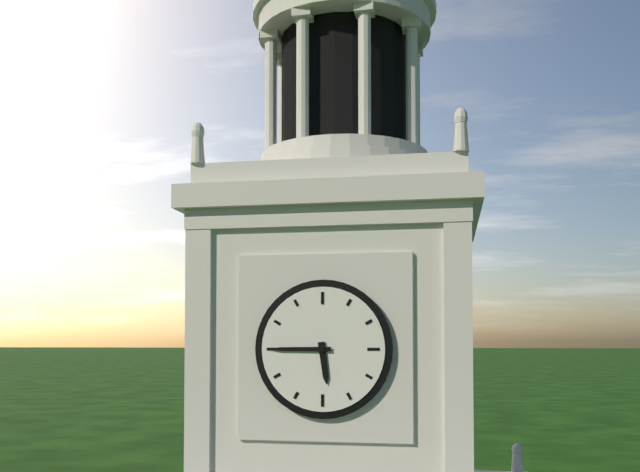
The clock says 5:45
